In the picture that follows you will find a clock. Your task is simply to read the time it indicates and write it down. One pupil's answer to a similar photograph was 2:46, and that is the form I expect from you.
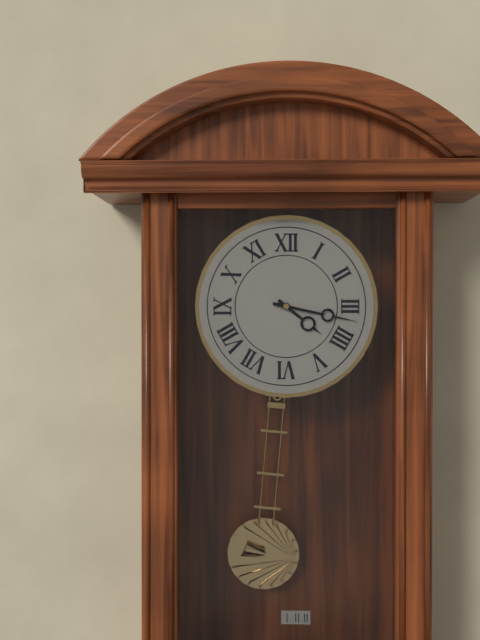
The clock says 4:17
